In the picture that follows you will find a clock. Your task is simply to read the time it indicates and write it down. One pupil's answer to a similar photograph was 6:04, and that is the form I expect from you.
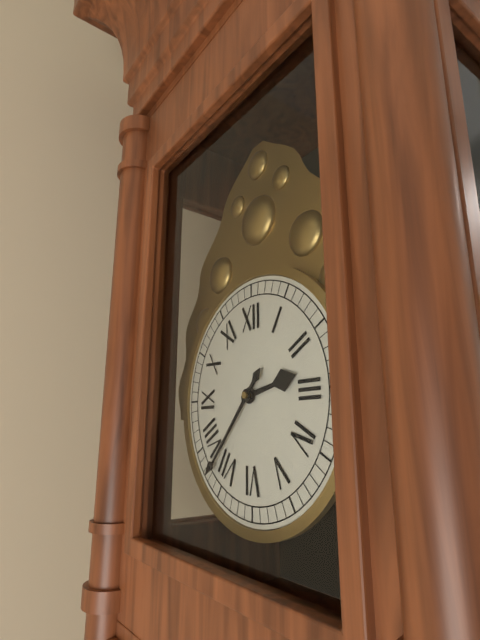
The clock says 2:37
